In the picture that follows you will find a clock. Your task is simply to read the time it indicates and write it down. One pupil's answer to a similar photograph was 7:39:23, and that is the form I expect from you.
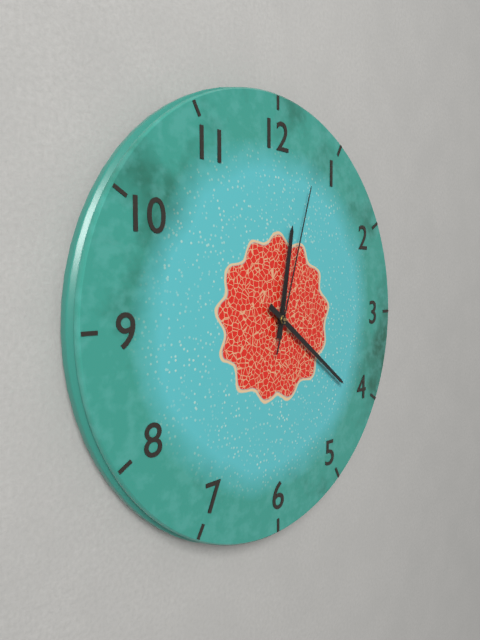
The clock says 12:21:03
